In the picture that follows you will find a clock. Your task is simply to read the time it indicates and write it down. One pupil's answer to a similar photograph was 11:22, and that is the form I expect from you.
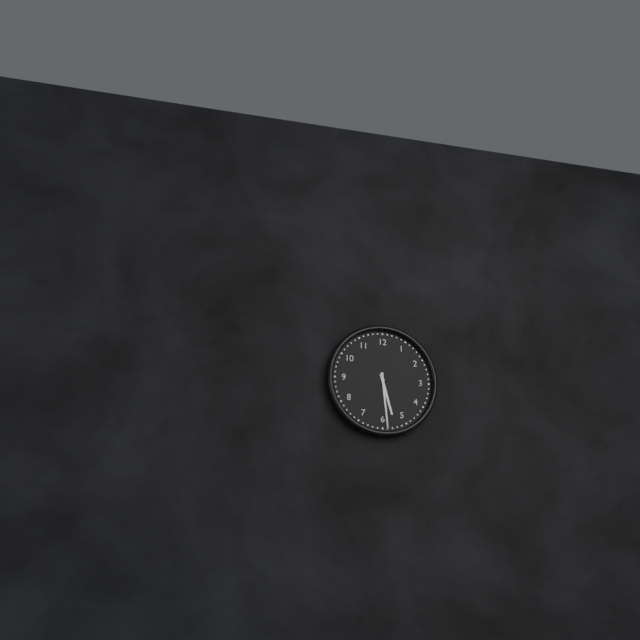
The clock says 5:29
